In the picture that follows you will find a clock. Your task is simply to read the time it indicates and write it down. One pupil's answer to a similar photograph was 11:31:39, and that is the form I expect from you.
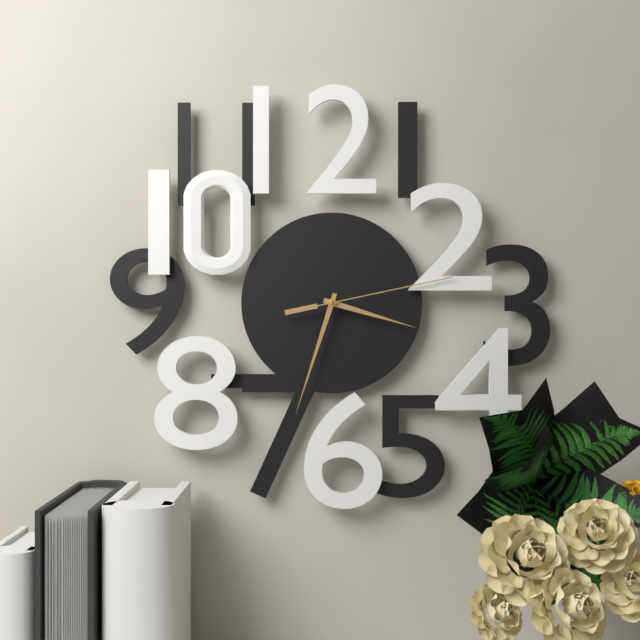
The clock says 3:33:13
